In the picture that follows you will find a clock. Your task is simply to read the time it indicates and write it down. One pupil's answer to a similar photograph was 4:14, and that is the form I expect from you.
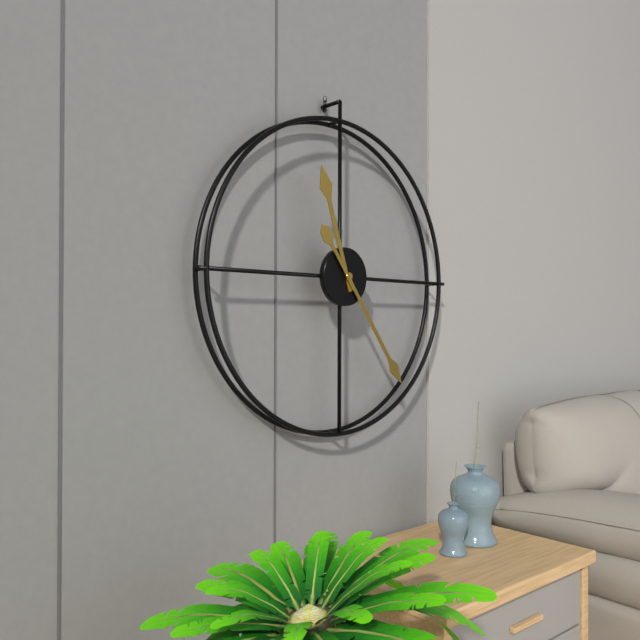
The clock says 11:24
